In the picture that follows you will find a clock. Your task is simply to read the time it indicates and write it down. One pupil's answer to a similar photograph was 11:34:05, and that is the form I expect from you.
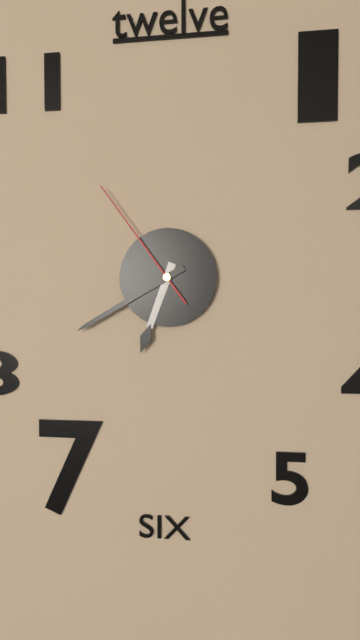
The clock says 6:40:54
